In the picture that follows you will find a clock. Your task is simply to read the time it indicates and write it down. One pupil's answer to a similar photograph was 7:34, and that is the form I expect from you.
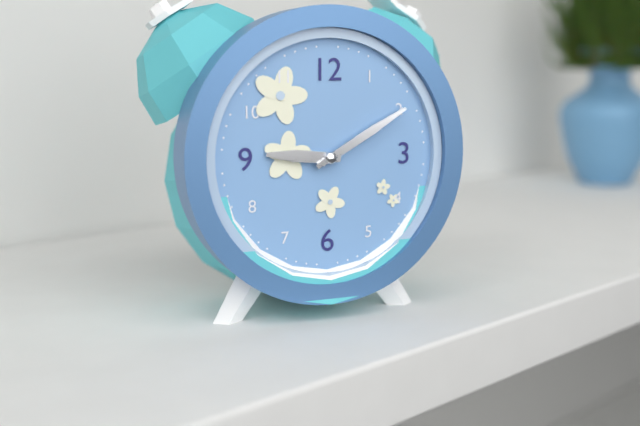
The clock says 9:10
